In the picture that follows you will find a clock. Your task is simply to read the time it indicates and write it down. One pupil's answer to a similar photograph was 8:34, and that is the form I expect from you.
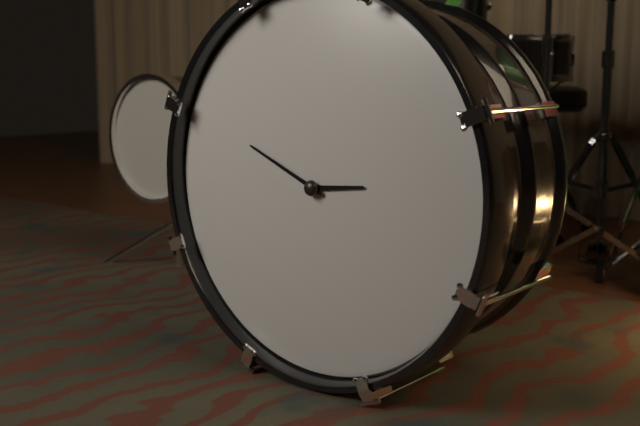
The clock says 2:49
